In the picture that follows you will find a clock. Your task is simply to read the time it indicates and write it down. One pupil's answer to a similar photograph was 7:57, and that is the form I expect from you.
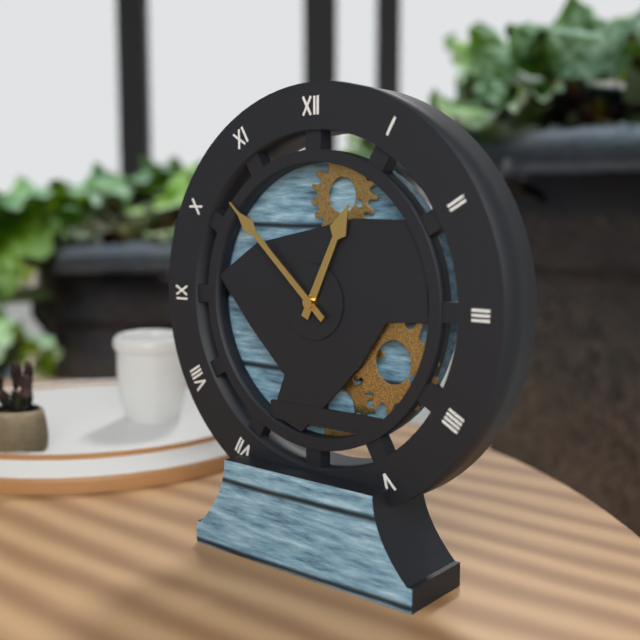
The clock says 12:52
